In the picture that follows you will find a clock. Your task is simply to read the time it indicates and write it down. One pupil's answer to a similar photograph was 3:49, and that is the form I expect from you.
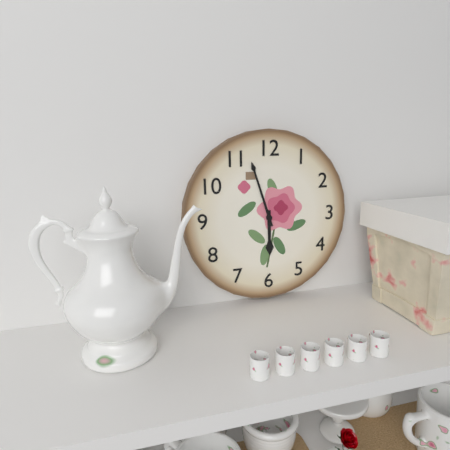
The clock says 5:57
